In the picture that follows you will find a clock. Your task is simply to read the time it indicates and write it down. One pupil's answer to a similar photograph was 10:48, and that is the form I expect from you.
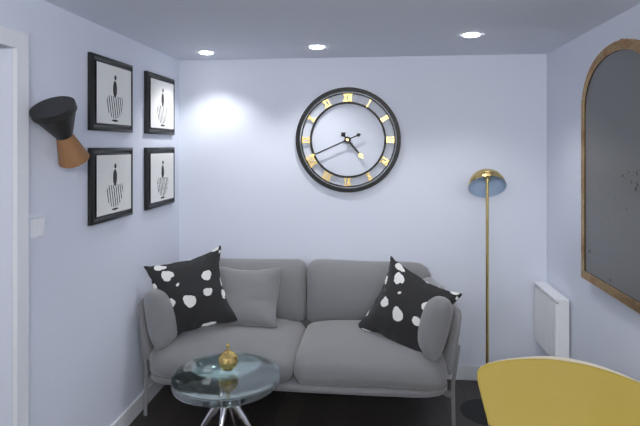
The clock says 4:41
